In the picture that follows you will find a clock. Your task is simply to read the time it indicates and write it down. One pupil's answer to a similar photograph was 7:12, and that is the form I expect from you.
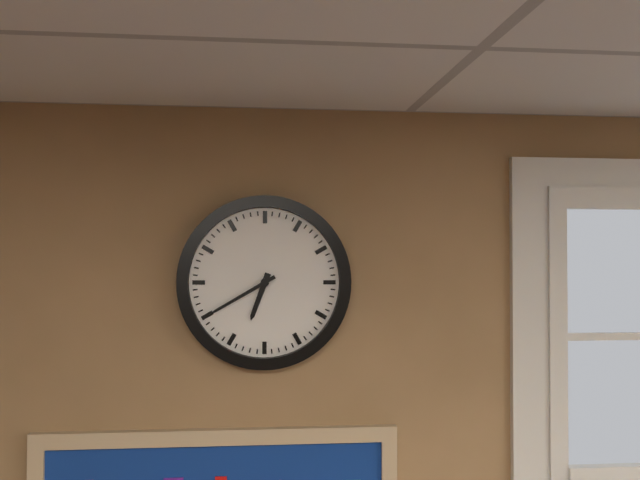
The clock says 6:40
